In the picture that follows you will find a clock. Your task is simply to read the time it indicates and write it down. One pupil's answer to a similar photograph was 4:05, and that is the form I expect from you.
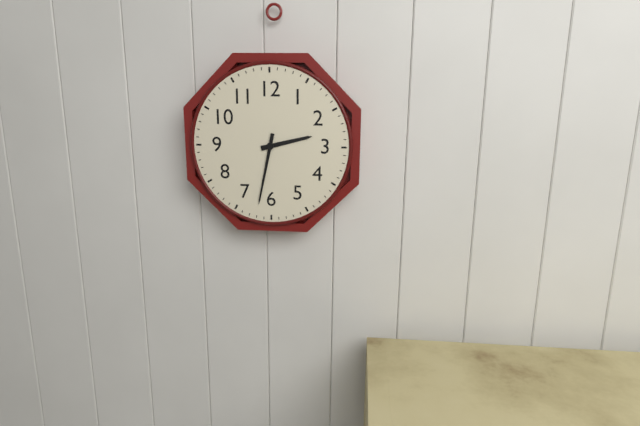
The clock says 2:32
